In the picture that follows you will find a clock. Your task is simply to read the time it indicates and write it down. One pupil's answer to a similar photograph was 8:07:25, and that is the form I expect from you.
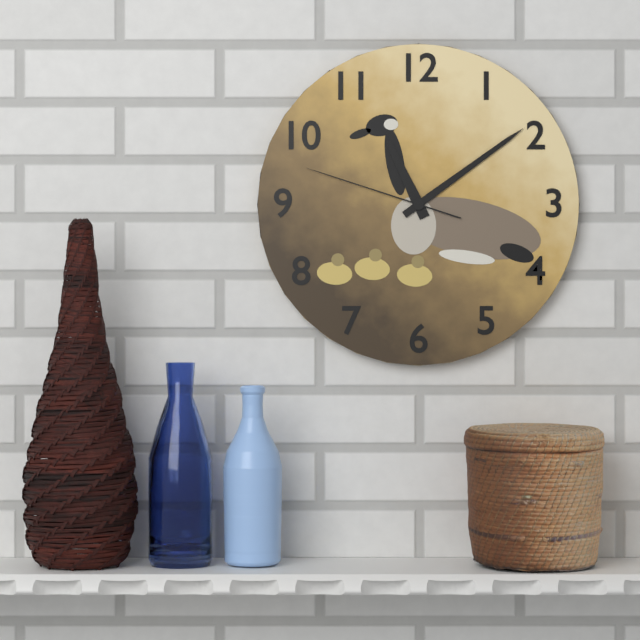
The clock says 11:09:48
